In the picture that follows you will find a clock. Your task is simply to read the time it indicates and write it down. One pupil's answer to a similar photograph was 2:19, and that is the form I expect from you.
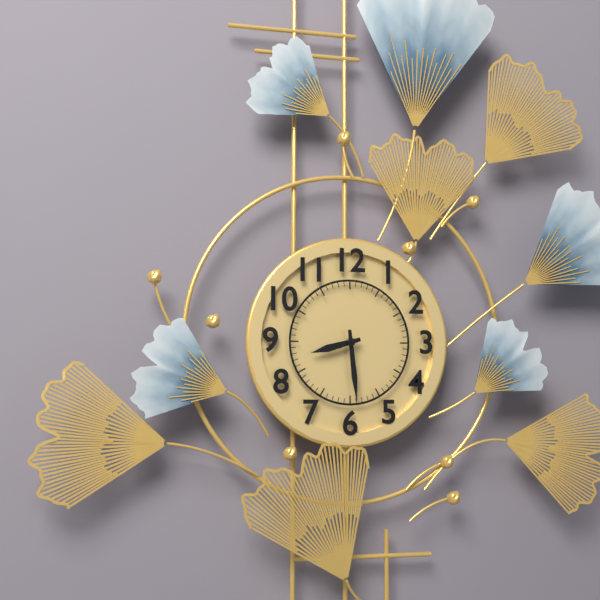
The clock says 8:29
